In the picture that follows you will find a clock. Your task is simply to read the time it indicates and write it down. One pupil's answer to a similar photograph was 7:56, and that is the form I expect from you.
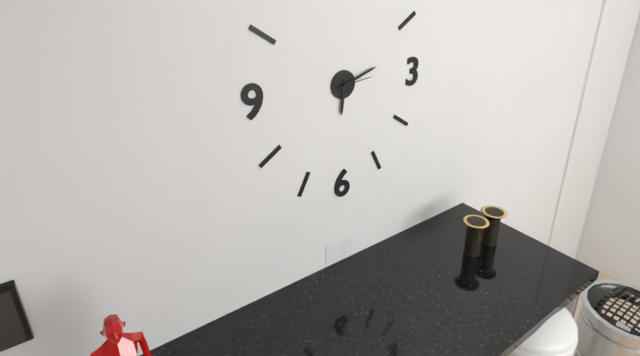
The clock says 6:12
